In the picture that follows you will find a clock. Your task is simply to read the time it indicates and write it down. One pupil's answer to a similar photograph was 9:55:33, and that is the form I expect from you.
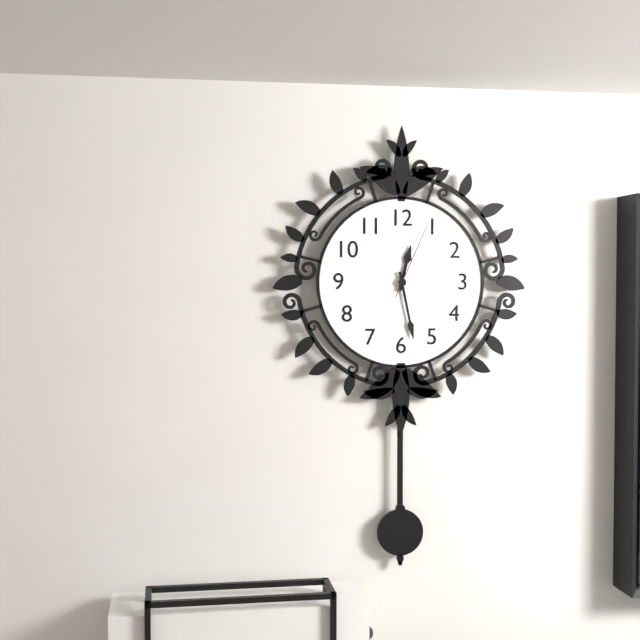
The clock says 12:28:04
